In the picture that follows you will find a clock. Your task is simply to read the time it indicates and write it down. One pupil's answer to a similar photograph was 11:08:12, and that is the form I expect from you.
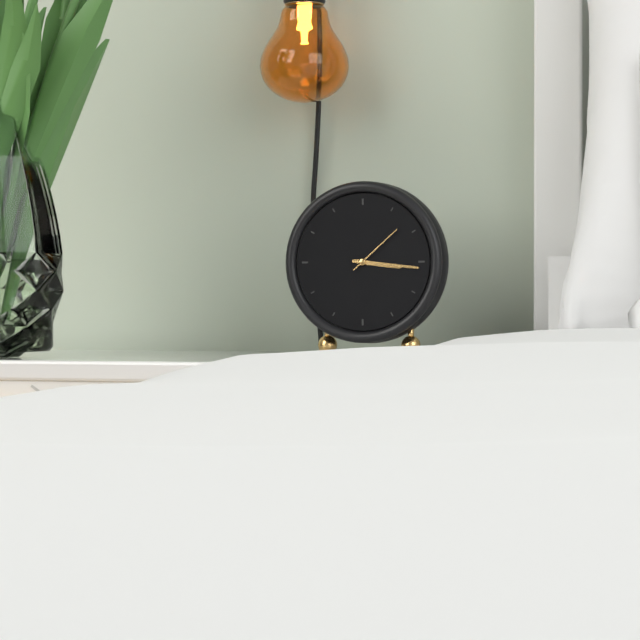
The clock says 3:16:08
